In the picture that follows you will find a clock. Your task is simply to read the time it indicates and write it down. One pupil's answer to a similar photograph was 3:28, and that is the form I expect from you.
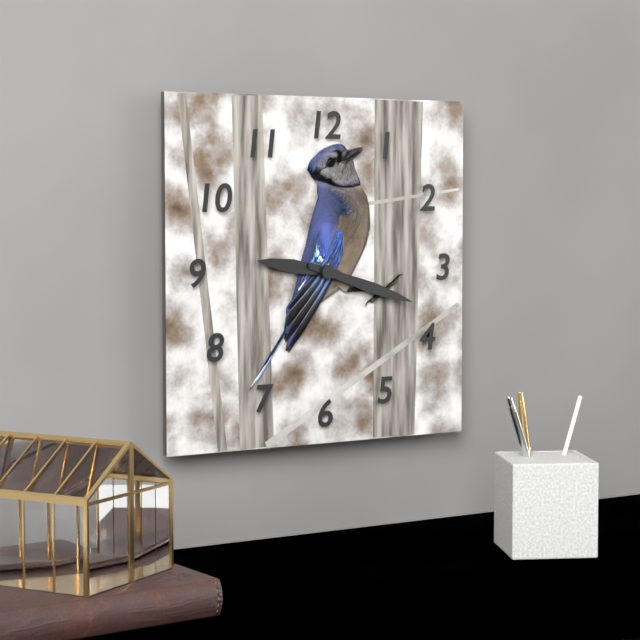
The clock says 9:18
